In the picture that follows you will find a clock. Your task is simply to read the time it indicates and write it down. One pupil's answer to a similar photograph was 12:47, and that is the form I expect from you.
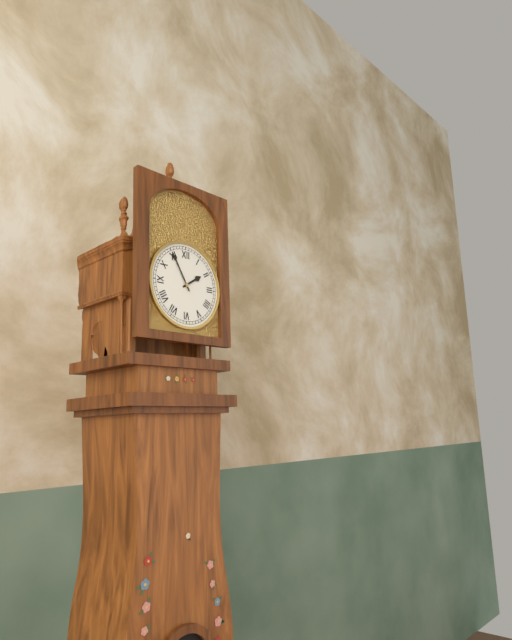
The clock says 1:55
